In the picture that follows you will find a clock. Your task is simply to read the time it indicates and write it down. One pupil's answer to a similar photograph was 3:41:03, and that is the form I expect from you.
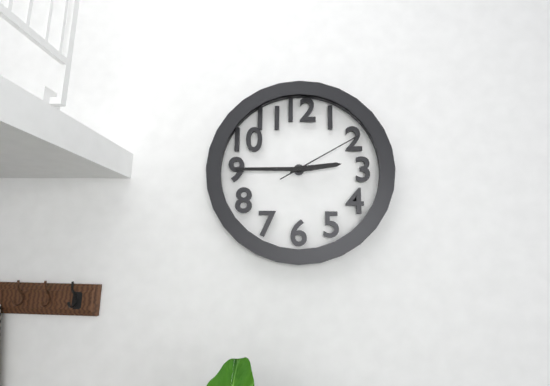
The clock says 2:45:10
